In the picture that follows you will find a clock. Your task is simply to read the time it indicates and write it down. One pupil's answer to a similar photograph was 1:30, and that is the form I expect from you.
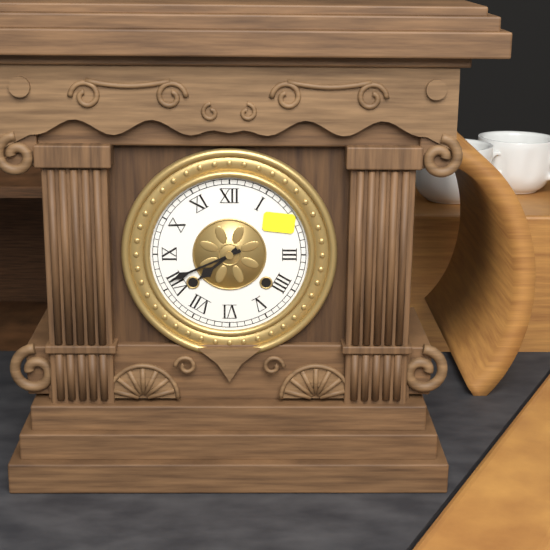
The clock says 7:41
